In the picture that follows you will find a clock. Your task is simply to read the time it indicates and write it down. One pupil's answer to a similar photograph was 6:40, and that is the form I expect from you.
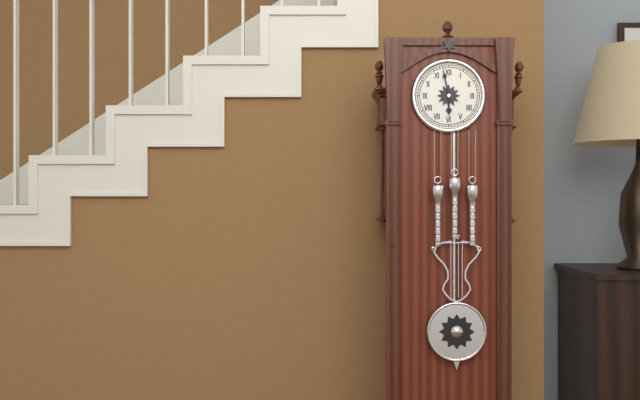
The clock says 5:58
